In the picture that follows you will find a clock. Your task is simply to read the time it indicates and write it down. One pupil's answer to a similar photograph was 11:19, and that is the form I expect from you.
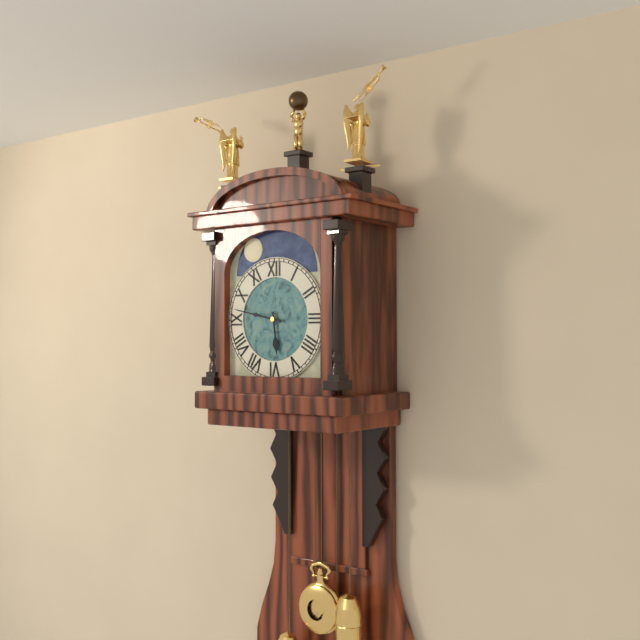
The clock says 5:47
